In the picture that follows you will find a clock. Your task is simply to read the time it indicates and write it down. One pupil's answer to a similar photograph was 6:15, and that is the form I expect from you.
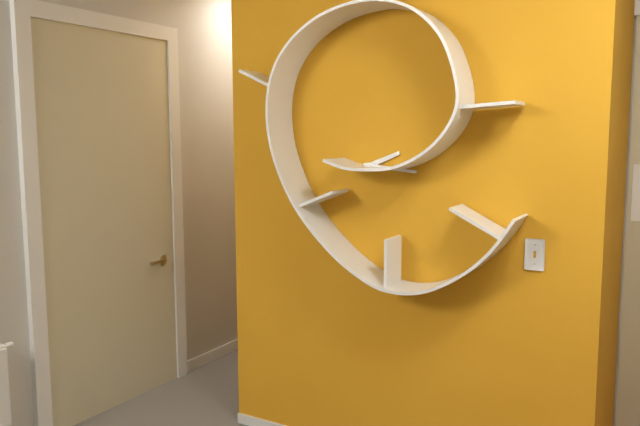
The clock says 2:16
